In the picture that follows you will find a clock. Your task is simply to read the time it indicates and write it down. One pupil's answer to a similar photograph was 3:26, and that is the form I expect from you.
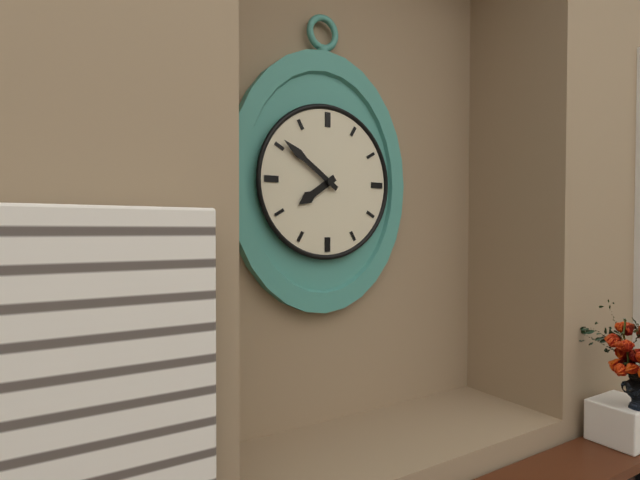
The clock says 7:51
